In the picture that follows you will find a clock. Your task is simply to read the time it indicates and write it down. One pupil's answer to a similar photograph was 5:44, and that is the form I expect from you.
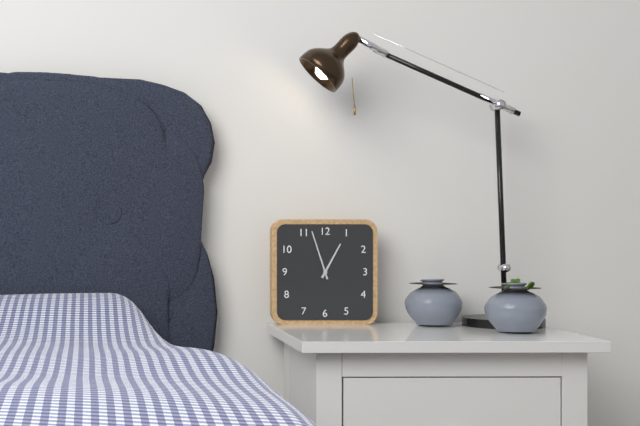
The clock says 12:57
